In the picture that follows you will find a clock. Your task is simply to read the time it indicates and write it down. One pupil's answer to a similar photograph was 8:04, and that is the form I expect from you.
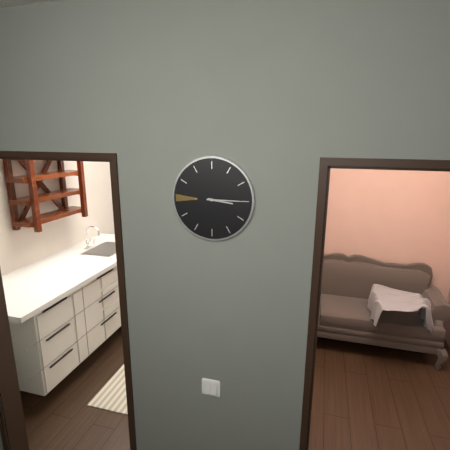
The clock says 3:15
